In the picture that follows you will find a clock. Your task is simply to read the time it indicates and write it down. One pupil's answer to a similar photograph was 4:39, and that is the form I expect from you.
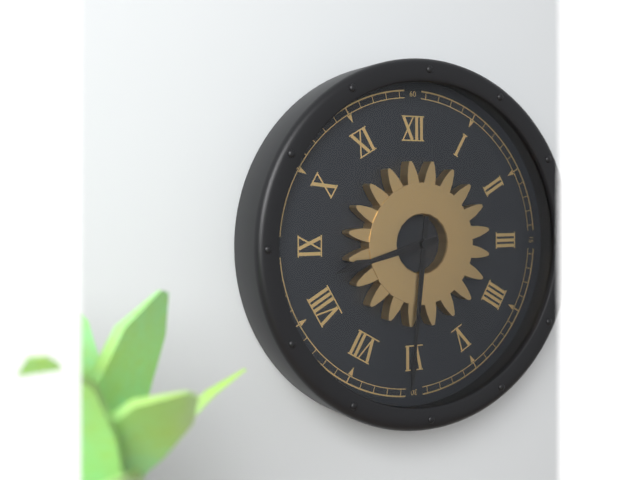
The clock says 8:31
